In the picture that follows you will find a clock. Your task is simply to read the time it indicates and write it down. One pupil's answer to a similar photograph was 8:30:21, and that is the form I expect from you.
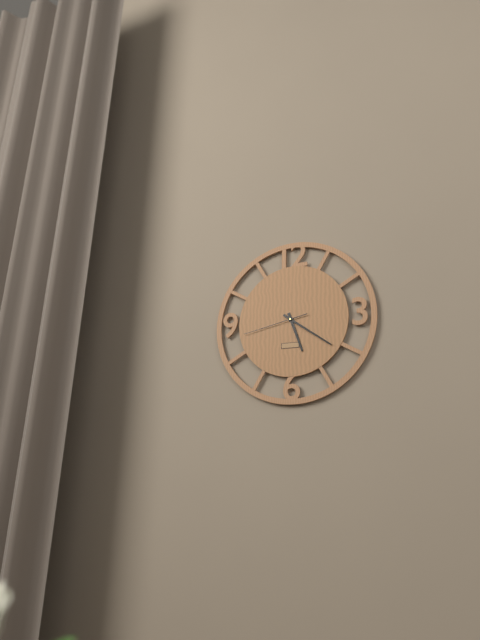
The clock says 5:21:43
